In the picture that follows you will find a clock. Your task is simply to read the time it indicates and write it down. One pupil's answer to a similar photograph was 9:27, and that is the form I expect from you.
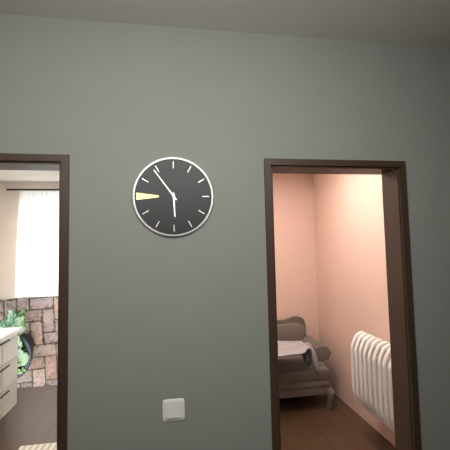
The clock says 5:54
